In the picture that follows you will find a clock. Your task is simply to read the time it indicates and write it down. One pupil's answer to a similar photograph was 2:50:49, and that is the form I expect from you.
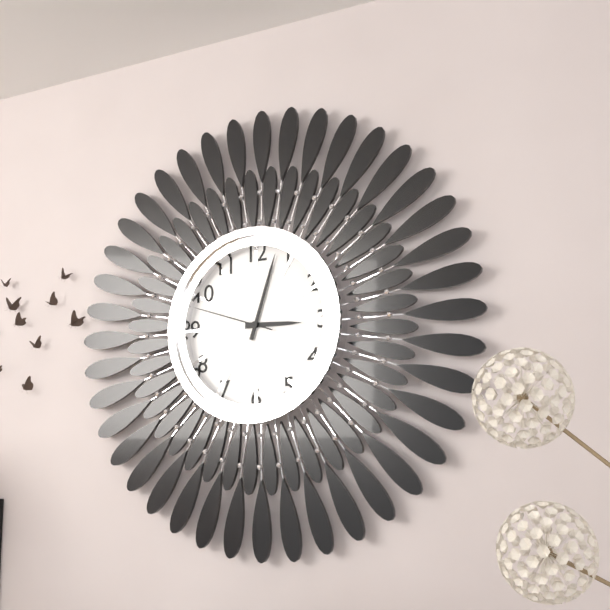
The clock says 3:03:48
